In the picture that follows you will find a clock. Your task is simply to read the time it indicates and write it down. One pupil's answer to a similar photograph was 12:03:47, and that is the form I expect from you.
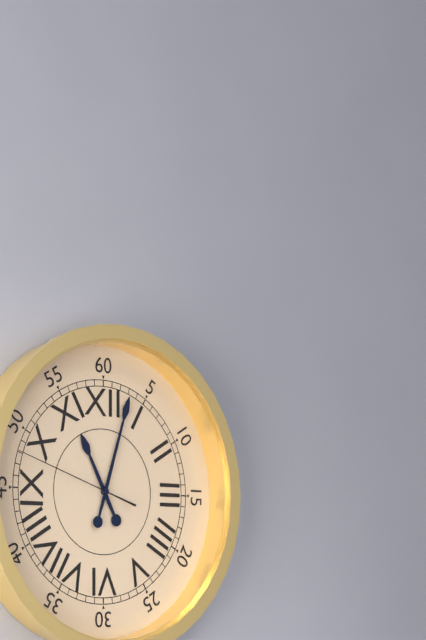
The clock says 11:03:48
